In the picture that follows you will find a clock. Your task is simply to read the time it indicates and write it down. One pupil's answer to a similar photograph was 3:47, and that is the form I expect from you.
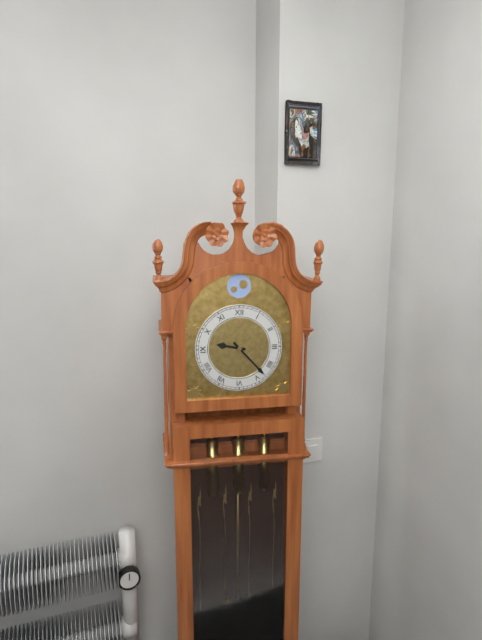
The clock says 9:23
